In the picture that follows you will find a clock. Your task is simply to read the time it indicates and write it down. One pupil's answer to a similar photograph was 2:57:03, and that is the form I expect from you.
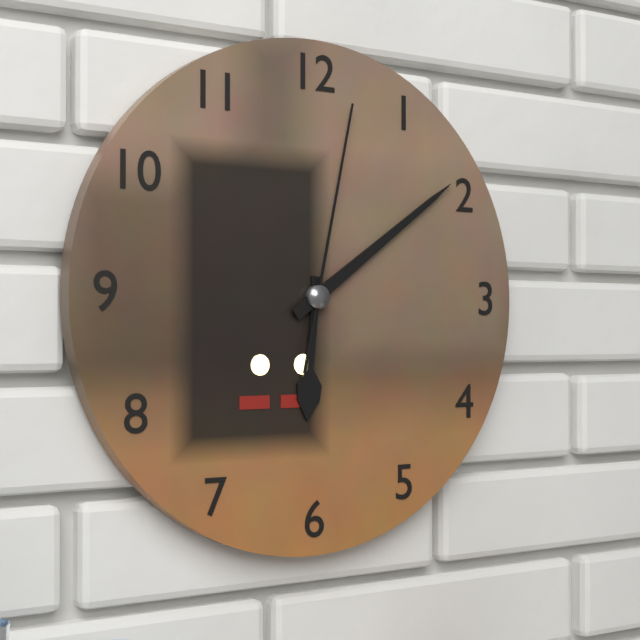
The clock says 6:09:02
